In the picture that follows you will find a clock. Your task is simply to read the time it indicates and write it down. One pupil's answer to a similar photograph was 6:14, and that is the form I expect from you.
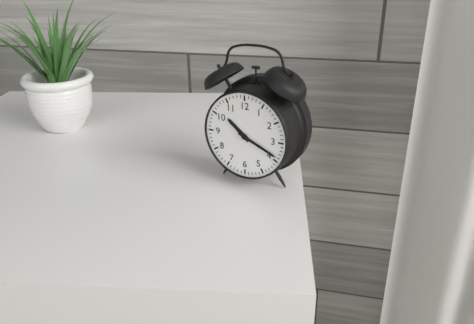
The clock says 10:19
